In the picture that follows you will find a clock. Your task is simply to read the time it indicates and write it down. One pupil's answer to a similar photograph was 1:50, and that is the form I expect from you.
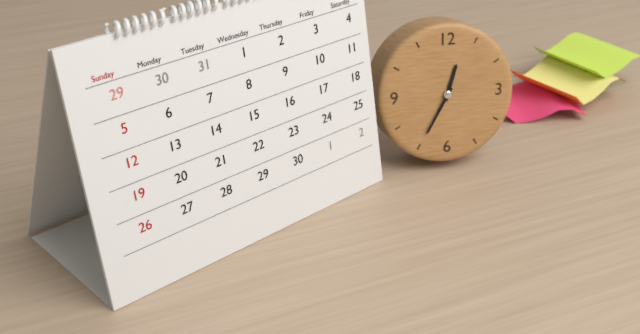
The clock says 12:35
